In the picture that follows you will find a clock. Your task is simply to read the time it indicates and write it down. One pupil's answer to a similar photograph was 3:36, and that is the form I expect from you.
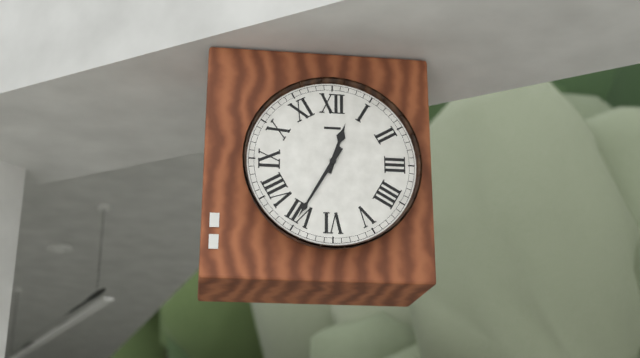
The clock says 12:35
